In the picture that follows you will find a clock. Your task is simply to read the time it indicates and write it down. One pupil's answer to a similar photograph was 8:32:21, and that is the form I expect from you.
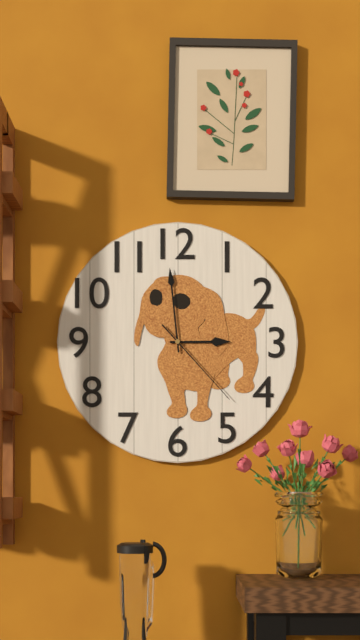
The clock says 2:59:23
